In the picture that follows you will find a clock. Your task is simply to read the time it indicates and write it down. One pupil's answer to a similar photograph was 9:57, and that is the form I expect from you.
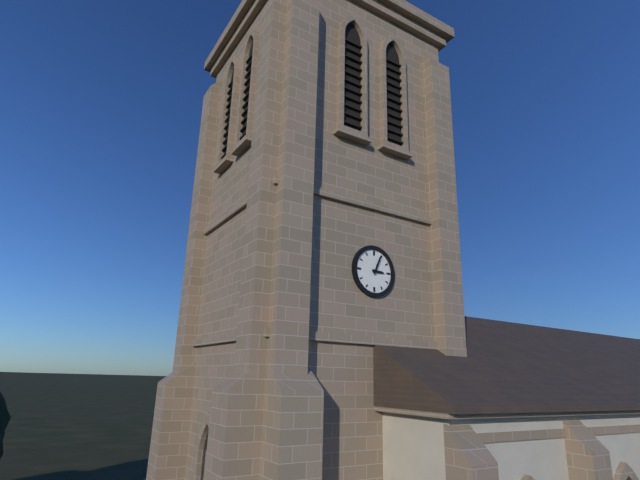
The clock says 3:04
